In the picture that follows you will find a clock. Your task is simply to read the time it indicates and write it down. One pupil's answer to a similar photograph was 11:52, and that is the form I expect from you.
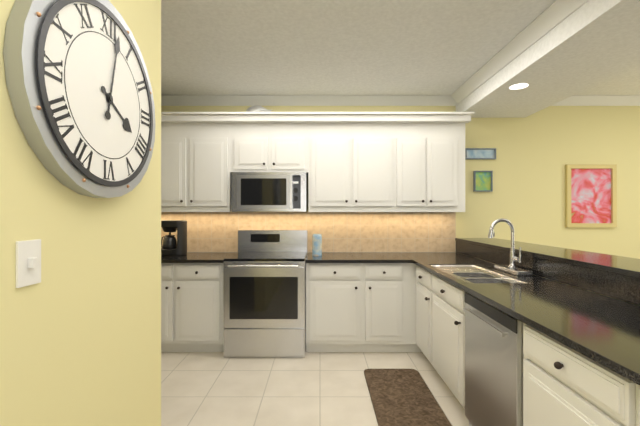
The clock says 4:02
